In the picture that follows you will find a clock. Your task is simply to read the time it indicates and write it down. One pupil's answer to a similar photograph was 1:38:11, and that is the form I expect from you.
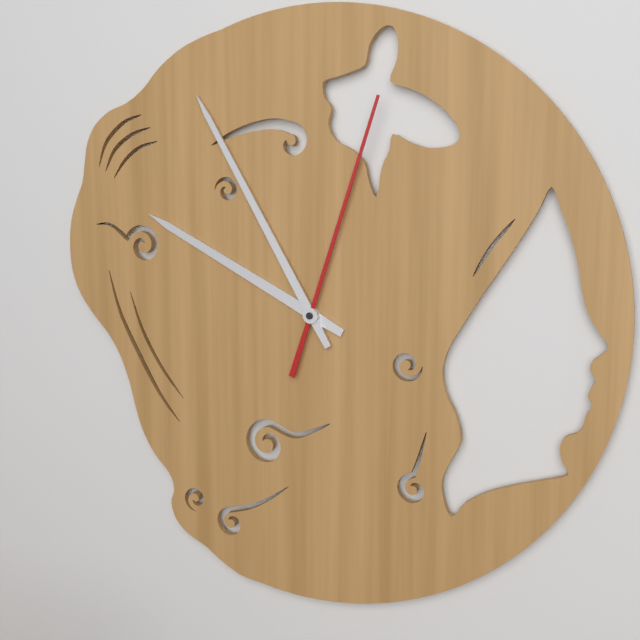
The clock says 9:55:03
